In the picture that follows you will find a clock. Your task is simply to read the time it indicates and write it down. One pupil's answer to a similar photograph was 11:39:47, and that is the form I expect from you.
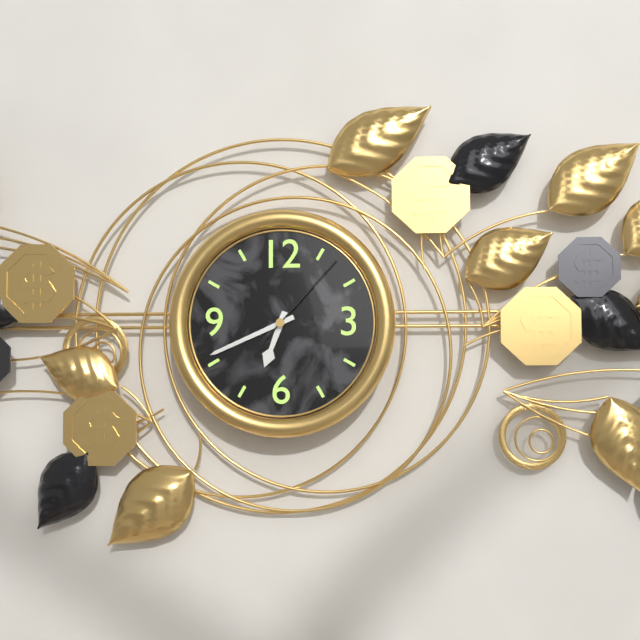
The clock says 6:41:07
